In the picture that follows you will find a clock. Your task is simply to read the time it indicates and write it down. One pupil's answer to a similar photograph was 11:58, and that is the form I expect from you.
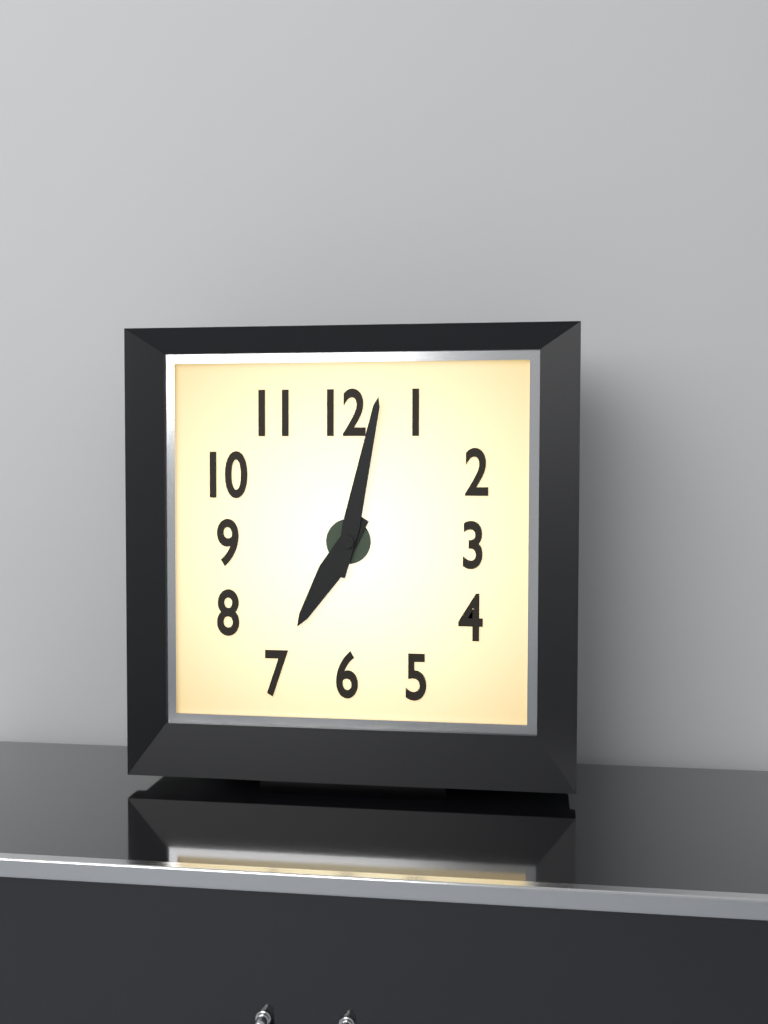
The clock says 7:02
